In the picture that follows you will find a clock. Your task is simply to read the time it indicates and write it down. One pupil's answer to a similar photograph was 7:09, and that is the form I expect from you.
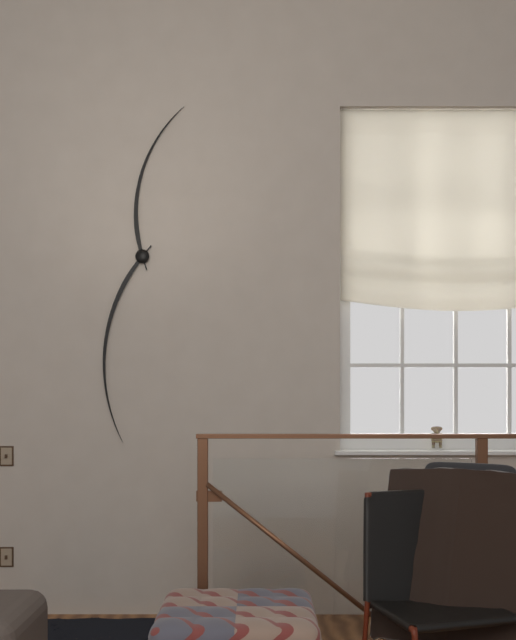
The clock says 12:31
